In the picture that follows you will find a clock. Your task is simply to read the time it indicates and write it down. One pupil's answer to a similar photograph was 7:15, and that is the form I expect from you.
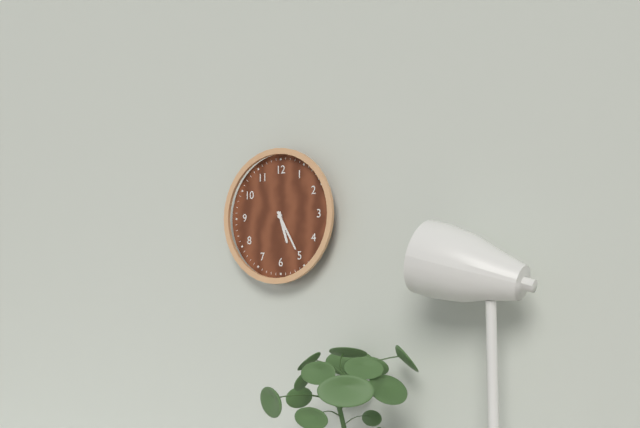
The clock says 5:25
